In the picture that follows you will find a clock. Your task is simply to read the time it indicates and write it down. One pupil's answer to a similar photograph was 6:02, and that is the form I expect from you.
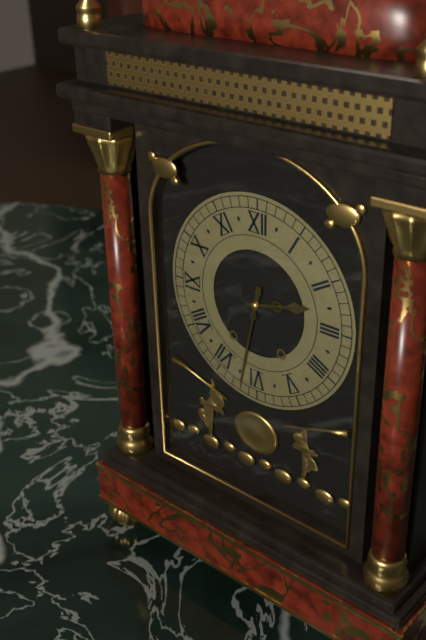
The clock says 2:32
